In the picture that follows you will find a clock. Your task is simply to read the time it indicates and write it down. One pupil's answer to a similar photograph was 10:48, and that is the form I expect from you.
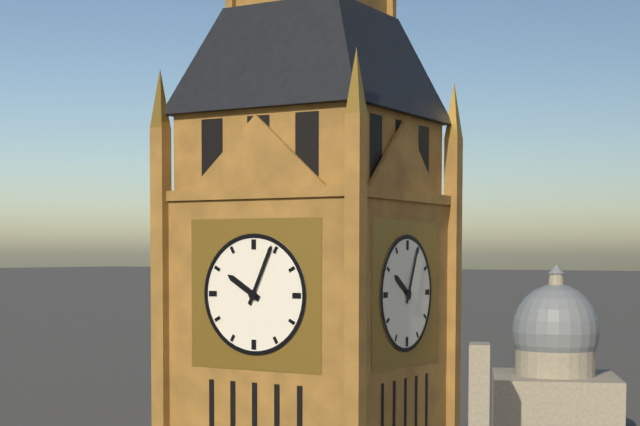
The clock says 10:04
